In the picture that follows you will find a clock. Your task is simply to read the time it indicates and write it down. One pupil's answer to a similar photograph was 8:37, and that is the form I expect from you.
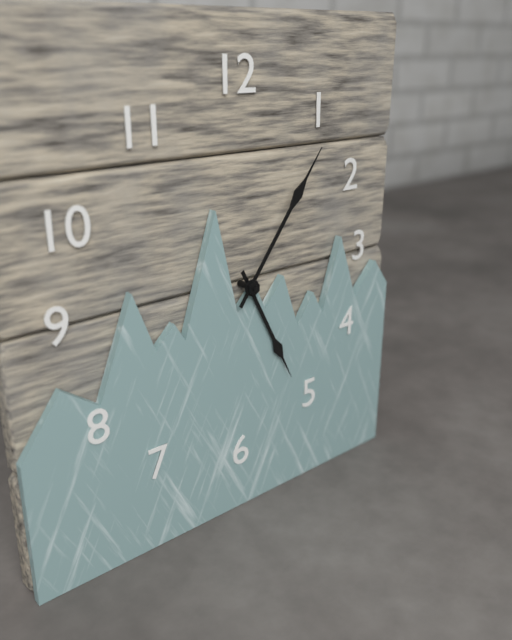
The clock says 5:06
